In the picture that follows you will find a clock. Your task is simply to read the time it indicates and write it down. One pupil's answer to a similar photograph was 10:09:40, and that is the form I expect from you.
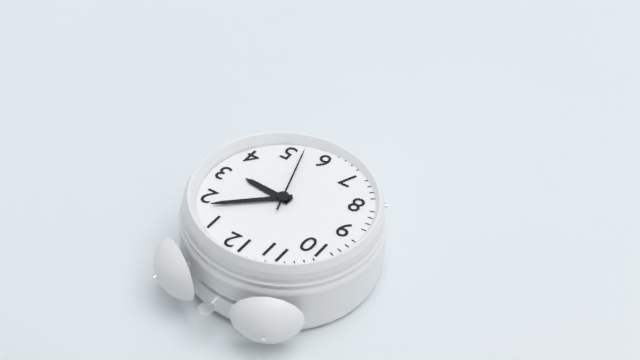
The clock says 3:08:27
